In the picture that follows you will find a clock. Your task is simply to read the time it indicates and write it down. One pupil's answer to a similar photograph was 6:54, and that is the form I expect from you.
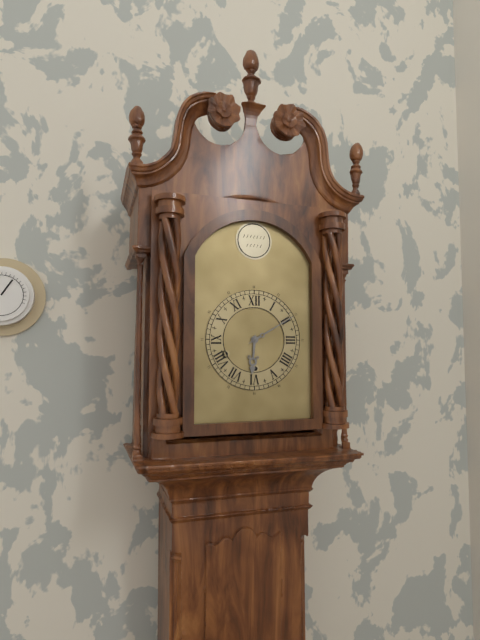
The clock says 6:10
